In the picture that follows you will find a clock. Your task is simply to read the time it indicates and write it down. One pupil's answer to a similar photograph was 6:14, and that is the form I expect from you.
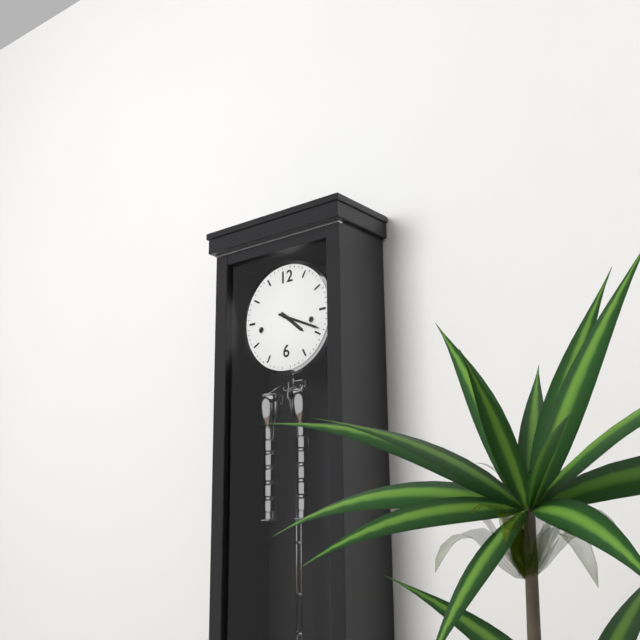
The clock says 4:19
